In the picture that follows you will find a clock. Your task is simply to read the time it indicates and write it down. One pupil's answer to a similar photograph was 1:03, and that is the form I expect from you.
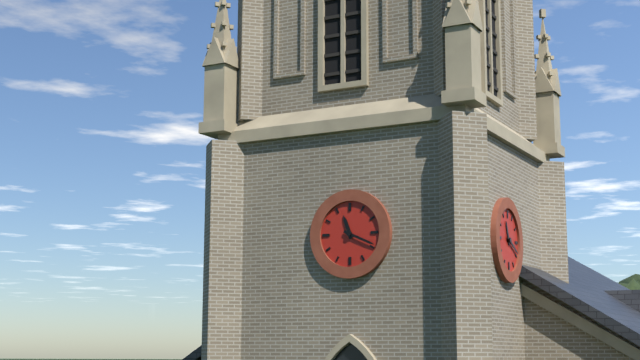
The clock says 11:19
